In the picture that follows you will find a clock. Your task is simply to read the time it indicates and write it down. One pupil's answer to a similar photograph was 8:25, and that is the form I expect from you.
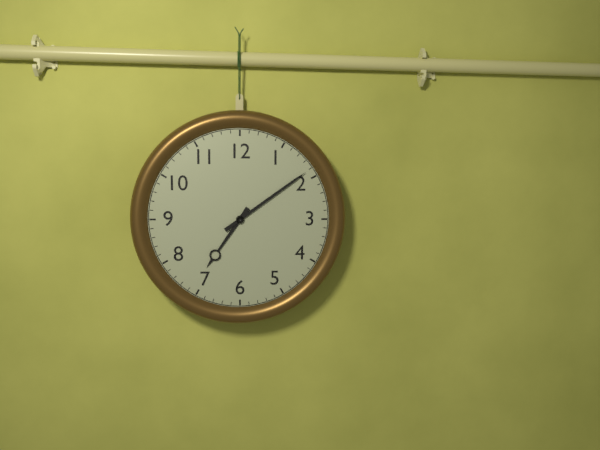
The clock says 7:09
